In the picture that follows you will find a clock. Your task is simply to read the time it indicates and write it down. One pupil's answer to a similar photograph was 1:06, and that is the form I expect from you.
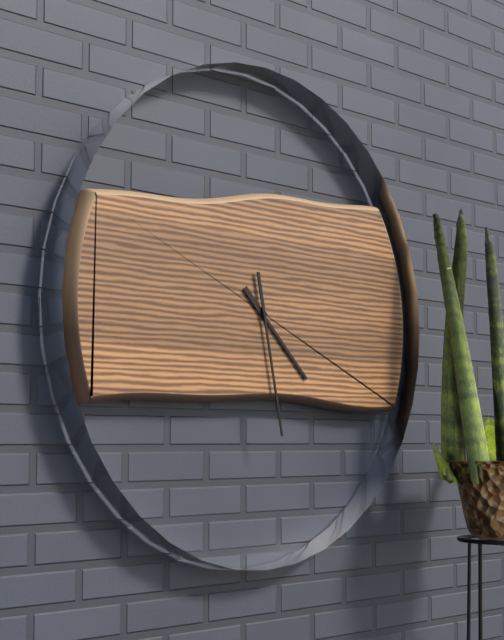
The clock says 4:28
